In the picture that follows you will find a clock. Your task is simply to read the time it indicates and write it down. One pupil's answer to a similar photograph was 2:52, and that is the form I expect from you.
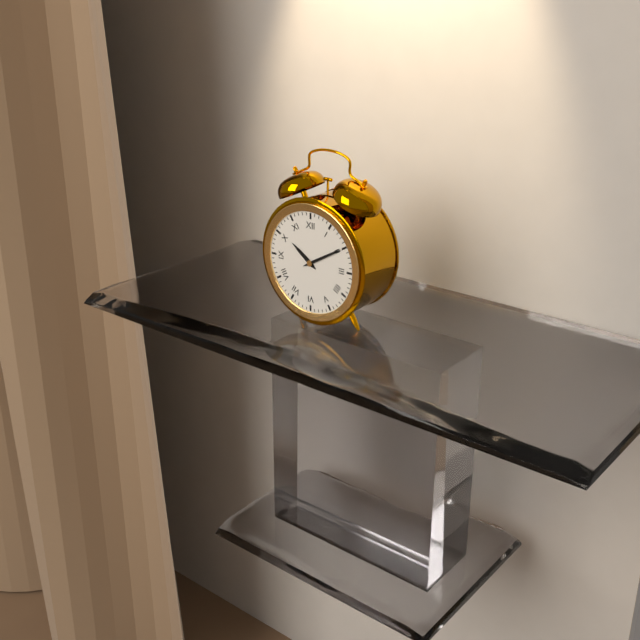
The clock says 10:10
